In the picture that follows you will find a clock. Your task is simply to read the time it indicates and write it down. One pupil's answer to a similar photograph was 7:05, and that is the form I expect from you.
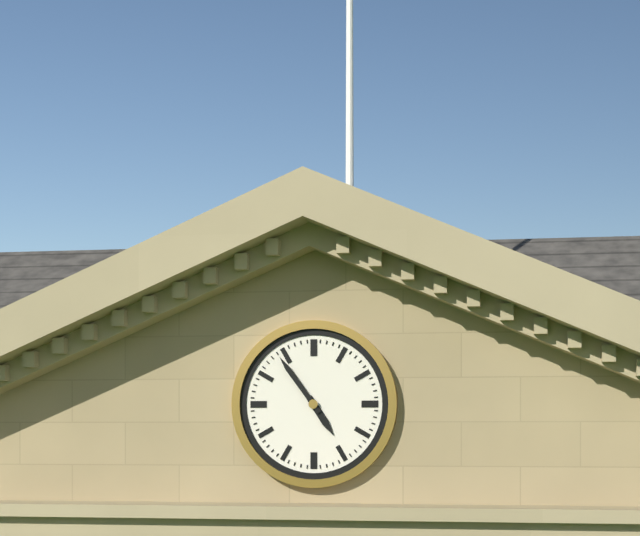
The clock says 4:54
